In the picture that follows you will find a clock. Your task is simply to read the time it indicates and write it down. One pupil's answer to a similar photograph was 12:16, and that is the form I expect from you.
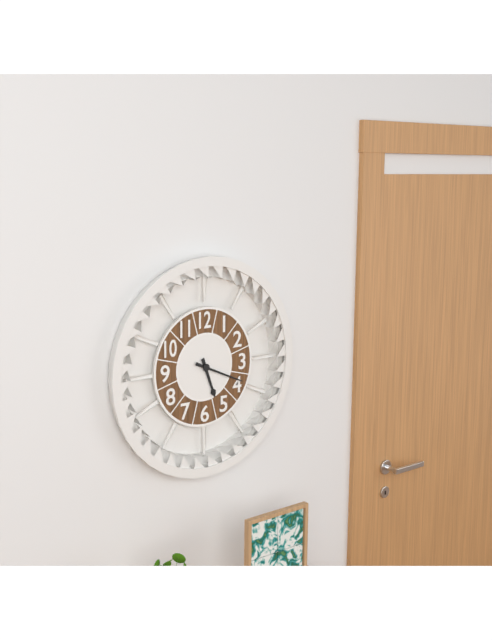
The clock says 5:19
